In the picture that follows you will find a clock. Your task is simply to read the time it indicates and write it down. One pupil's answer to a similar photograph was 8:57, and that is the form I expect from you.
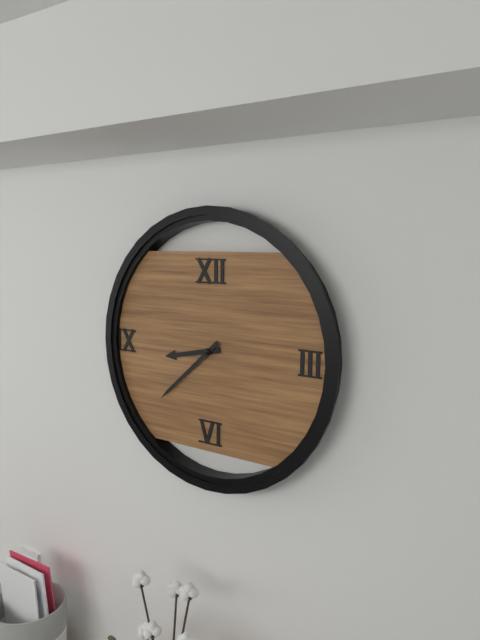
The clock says 8:38
